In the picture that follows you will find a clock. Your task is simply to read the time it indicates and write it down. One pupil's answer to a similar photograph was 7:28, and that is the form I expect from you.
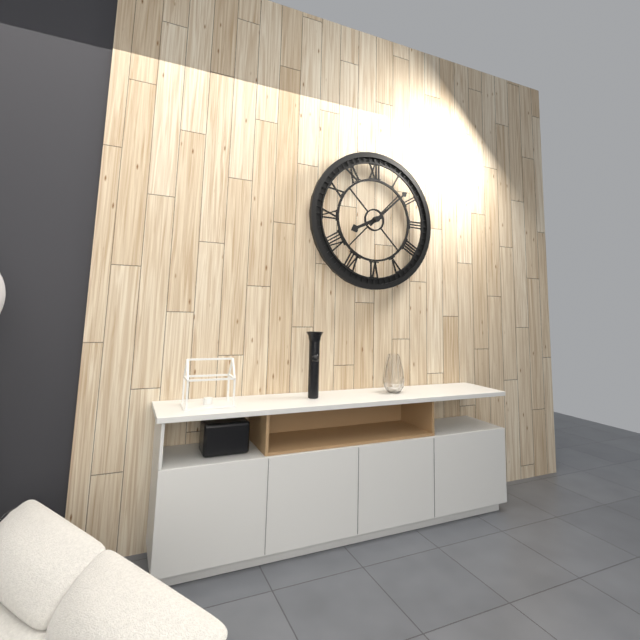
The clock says 8:08
